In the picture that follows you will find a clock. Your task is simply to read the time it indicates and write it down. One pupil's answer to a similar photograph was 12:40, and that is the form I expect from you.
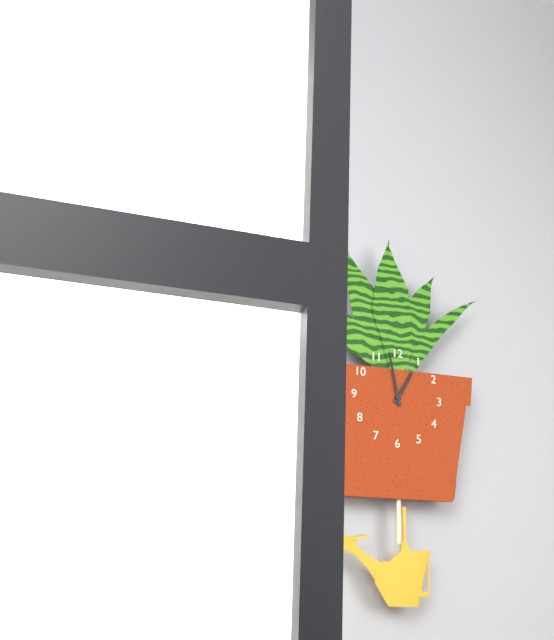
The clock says 12:58
